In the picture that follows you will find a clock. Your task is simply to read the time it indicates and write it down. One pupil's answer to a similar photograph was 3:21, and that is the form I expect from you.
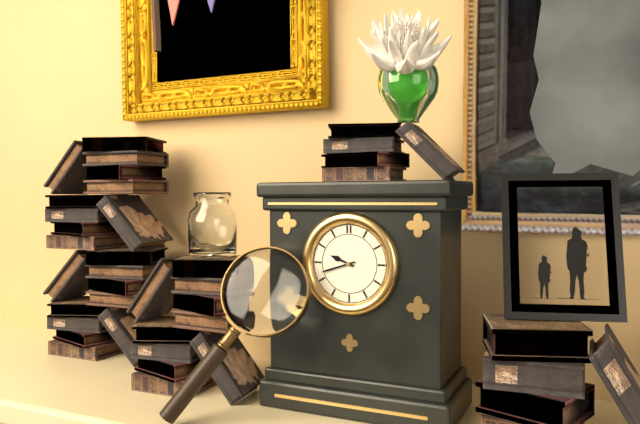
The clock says 9:42
